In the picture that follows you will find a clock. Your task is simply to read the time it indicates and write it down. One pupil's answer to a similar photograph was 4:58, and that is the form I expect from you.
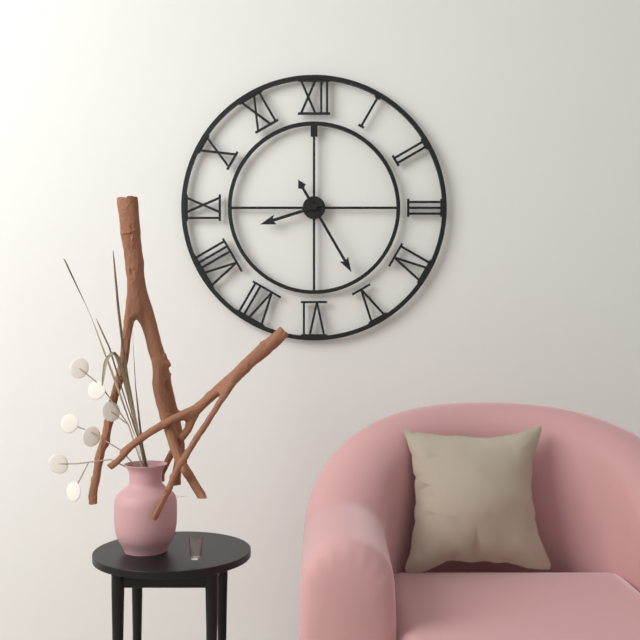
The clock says 8:25
